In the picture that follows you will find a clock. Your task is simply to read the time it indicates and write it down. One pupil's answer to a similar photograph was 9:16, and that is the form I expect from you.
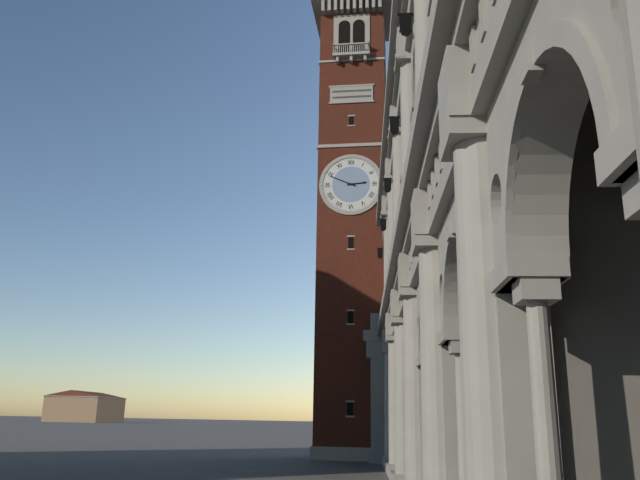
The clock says 2:49
